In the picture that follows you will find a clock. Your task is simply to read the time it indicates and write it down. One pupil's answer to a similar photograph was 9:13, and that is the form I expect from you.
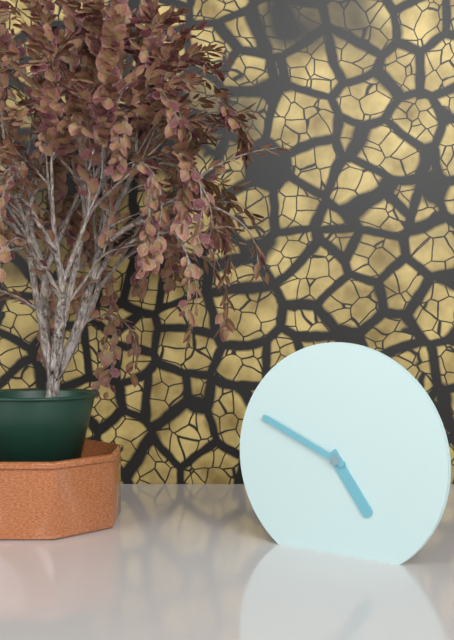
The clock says 4:49
